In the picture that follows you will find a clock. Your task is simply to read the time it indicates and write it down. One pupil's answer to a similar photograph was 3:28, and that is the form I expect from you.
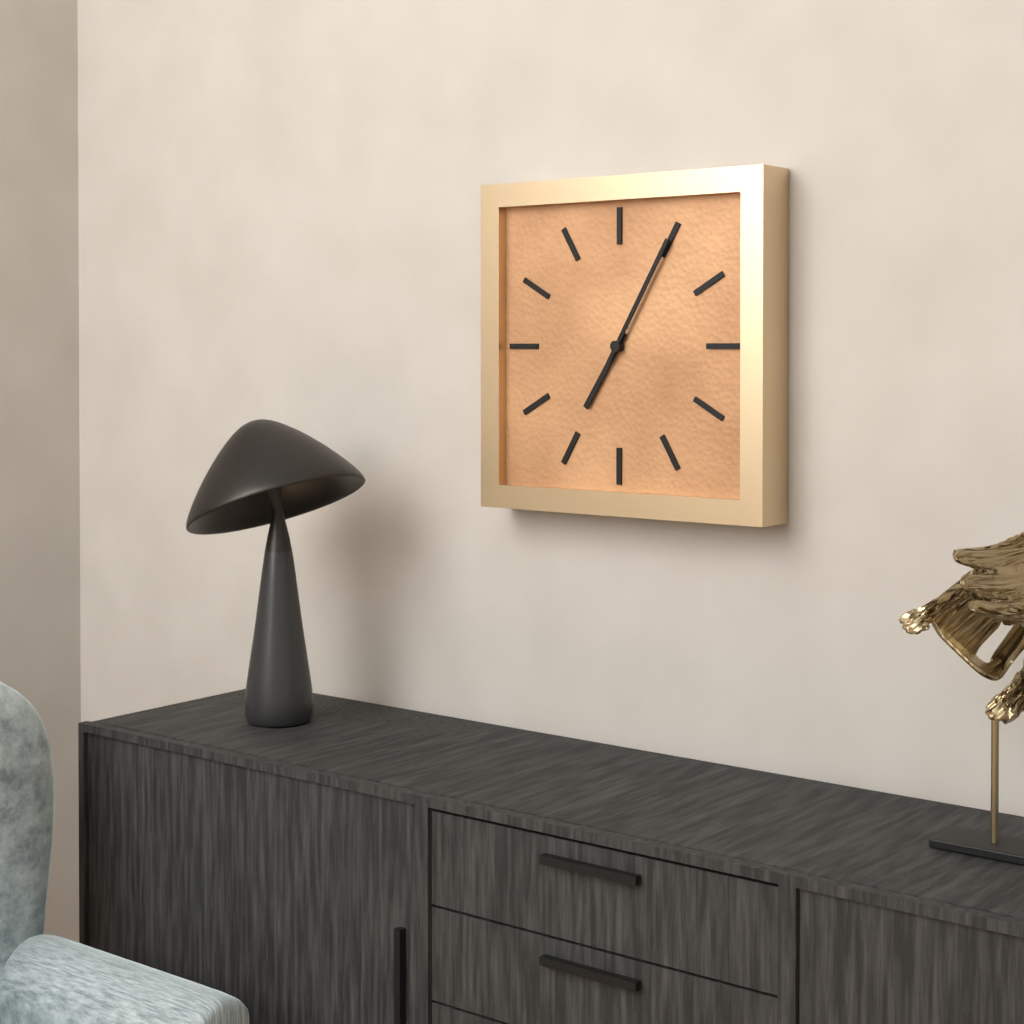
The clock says 7:05
